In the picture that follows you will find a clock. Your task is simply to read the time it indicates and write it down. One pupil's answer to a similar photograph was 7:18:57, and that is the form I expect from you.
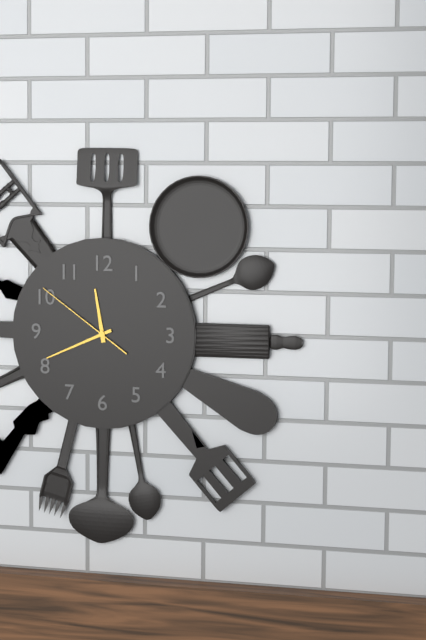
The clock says 11:41:51
